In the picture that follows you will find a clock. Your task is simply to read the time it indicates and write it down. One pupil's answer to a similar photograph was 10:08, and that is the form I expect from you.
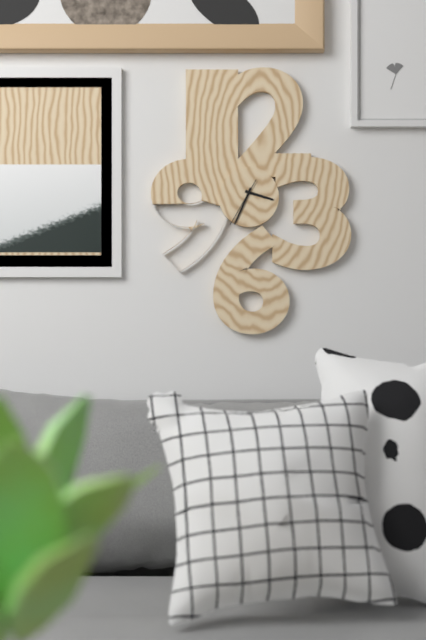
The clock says 3:34
